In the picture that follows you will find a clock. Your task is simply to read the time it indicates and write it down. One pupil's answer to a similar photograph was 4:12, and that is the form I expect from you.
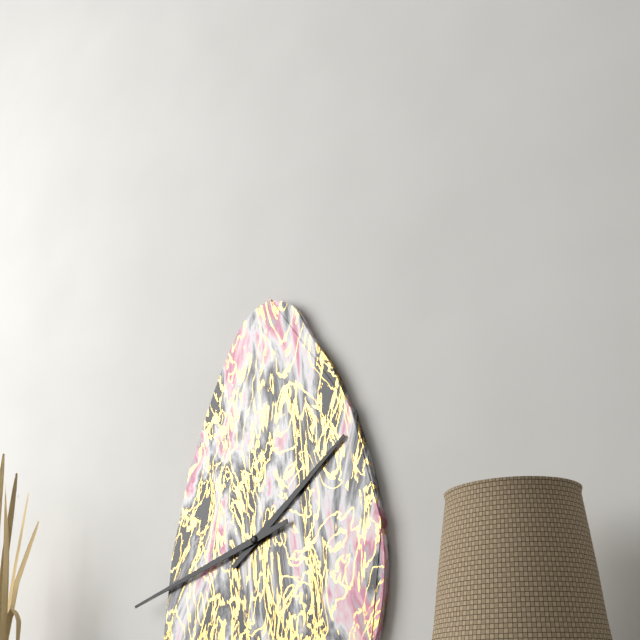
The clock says 1:42
